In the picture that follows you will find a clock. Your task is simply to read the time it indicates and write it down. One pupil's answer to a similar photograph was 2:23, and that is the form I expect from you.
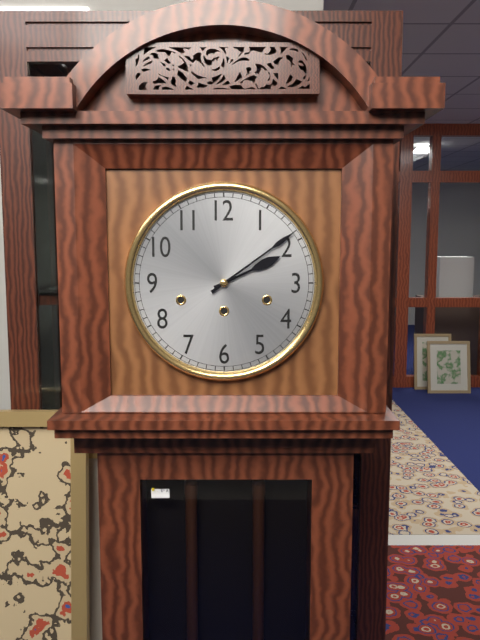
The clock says 2:09
